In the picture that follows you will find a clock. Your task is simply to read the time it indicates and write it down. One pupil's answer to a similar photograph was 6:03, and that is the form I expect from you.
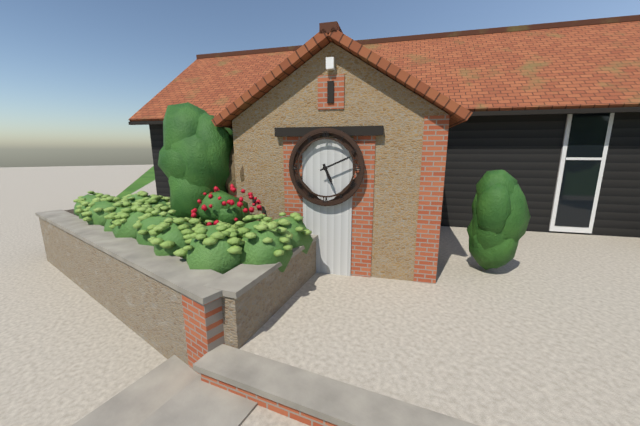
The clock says 5:11
